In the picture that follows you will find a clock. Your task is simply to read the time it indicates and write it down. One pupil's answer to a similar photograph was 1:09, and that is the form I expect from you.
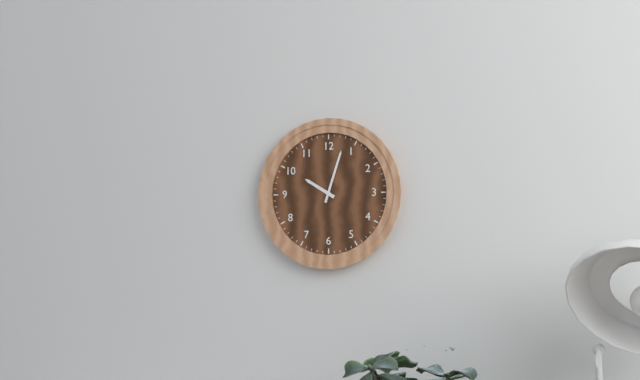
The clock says 10:03
